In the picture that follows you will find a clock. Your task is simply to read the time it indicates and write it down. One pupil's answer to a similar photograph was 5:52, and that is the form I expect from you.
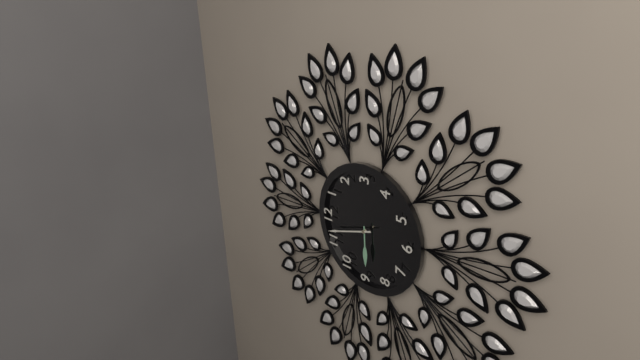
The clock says 8:57
